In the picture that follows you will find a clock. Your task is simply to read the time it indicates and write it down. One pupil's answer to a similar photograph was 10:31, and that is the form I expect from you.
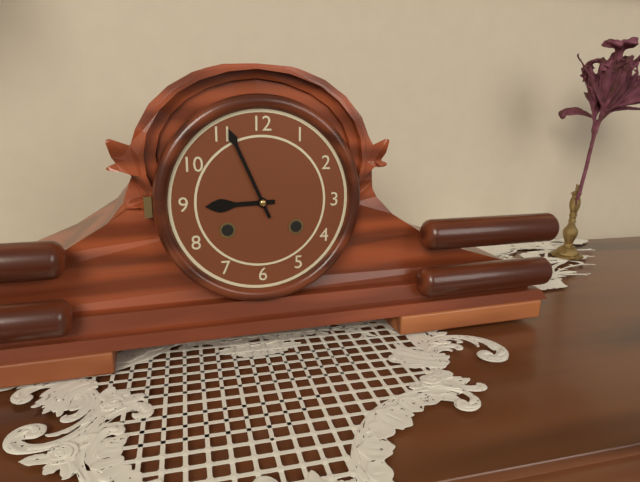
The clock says 8:56
